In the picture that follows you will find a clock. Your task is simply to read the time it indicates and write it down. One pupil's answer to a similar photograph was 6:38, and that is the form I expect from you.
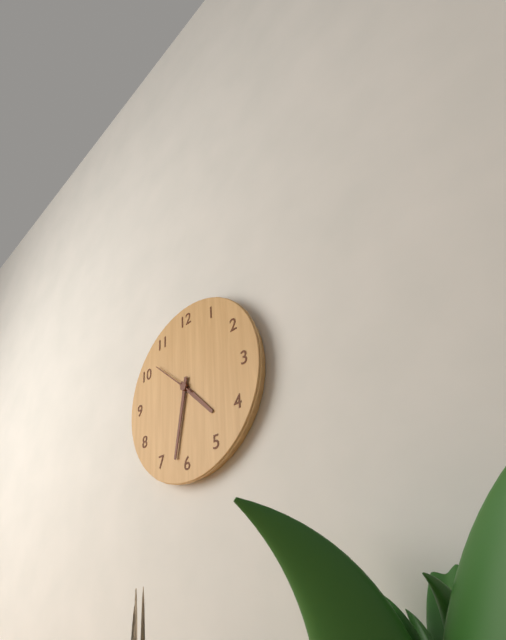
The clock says 4:32
